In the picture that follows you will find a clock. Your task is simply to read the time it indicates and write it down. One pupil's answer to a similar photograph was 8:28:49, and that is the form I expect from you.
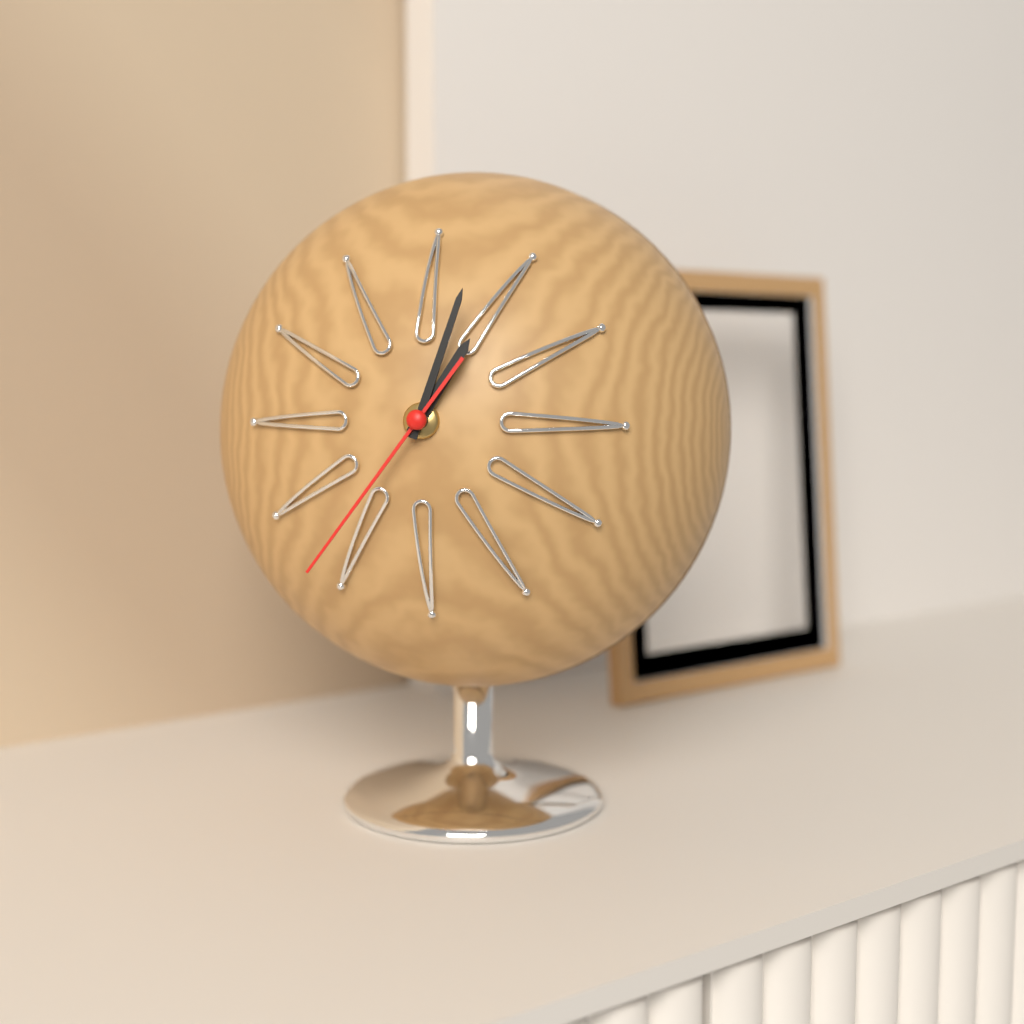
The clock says 1:03:36
